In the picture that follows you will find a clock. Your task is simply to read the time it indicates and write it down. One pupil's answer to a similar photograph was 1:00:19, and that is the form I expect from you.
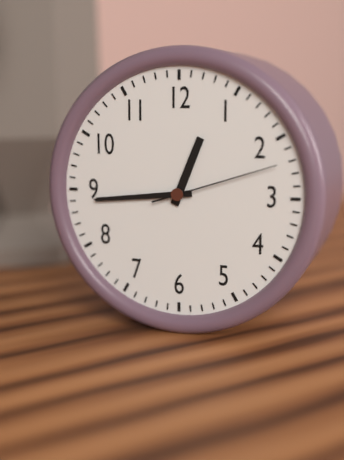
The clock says 12:44:12
